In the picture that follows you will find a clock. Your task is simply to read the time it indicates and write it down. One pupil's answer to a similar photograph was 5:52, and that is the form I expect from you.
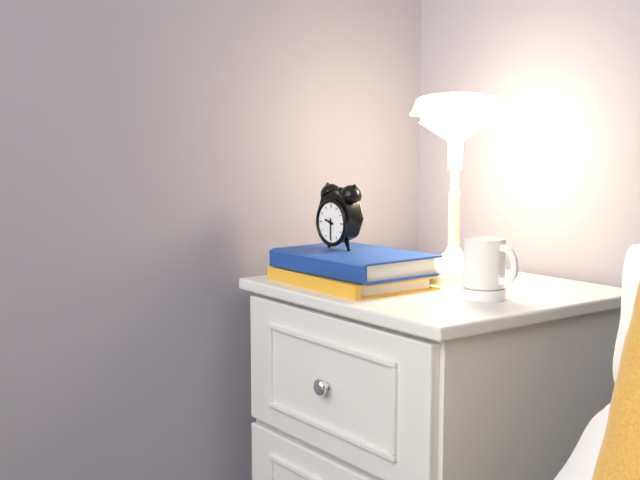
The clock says 9:30
